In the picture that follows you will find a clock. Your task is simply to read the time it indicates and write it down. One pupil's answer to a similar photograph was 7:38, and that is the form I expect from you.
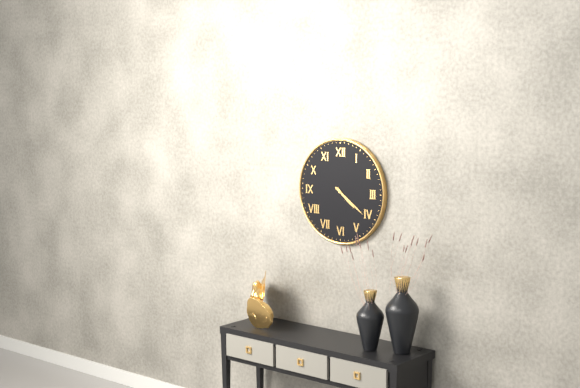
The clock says 4:21
